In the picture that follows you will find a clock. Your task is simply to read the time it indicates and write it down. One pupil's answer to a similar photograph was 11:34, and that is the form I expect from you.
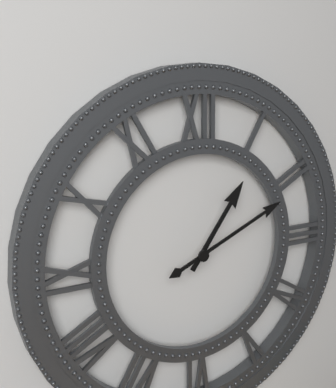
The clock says 1:11
